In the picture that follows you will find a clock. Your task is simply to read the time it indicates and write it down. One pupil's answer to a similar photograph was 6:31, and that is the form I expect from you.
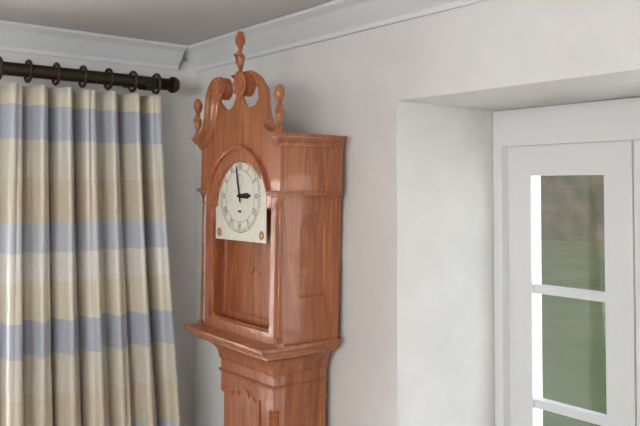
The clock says 2:58
